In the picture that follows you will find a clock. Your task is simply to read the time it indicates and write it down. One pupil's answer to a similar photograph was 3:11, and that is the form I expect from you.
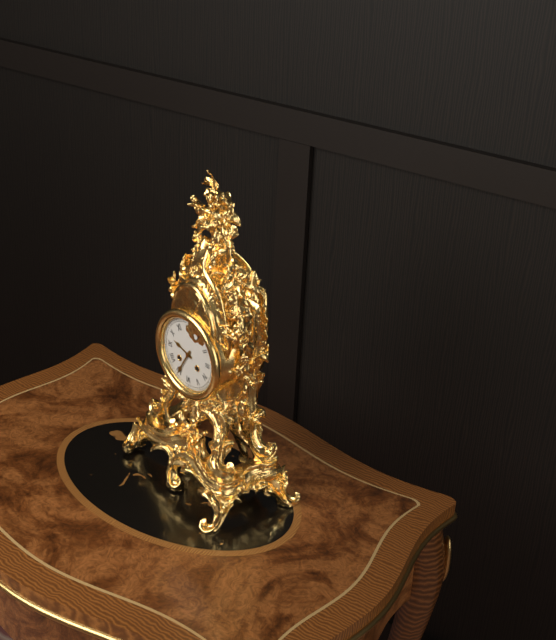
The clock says 9:35
